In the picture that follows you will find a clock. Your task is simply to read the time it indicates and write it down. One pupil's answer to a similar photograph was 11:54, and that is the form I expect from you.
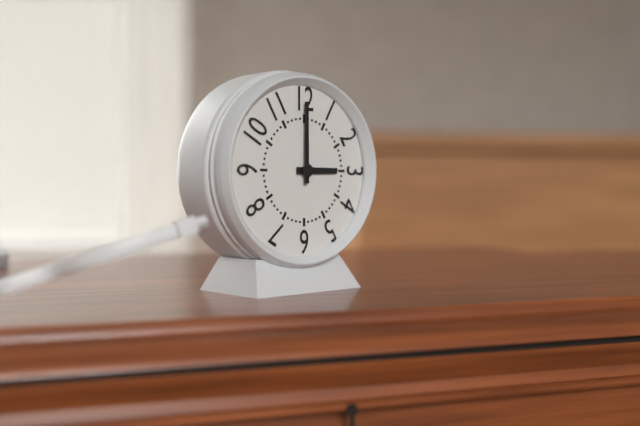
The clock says 3:00
